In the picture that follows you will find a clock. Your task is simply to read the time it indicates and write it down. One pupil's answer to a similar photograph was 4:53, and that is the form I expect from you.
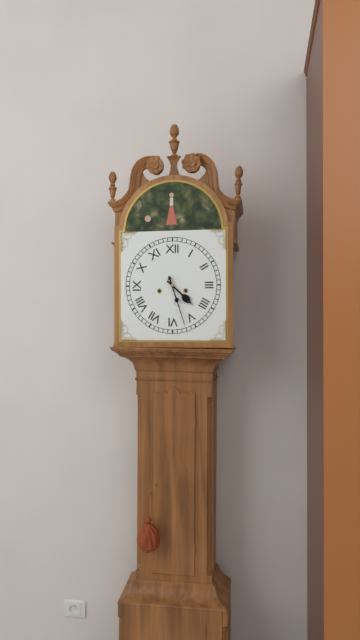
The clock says 4:27
